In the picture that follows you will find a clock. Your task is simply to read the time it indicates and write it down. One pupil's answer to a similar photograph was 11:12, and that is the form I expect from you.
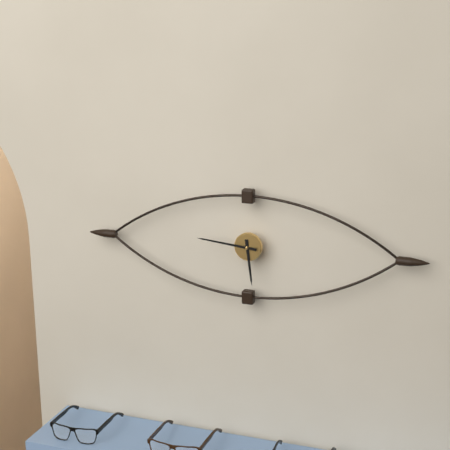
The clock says 5:46
